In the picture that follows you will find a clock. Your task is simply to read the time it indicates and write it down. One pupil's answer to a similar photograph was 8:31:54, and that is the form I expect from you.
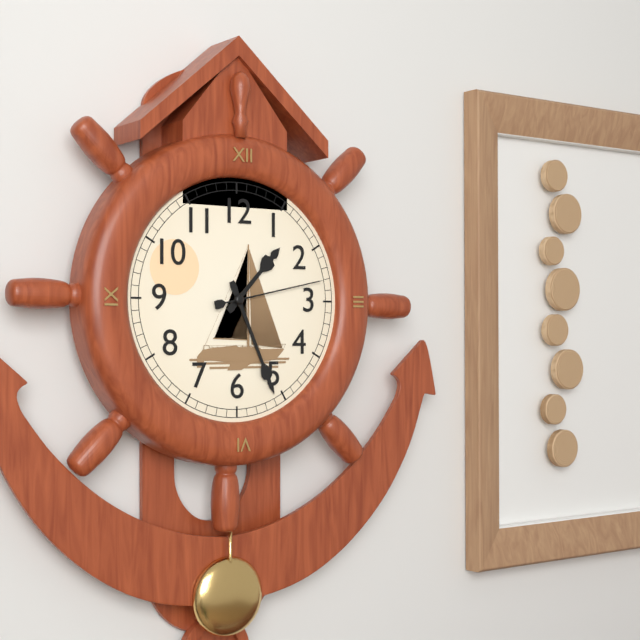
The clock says 1:26:13
